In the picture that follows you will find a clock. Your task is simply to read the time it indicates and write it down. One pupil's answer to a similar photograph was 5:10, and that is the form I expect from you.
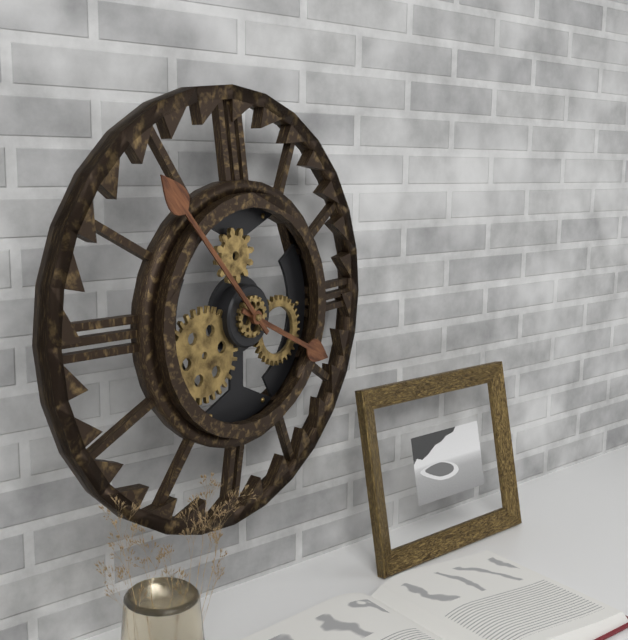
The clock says 3:53
